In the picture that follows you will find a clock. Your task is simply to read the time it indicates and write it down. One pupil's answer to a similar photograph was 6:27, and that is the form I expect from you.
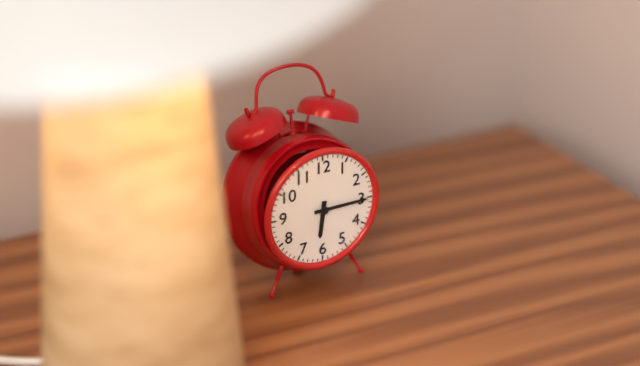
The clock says 6:15
